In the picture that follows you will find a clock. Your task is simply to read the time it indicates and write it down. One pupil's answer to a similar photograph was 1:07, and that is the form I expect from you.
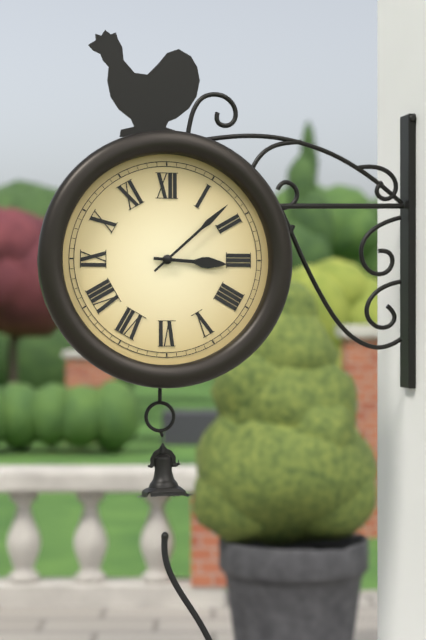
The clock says 3:08
